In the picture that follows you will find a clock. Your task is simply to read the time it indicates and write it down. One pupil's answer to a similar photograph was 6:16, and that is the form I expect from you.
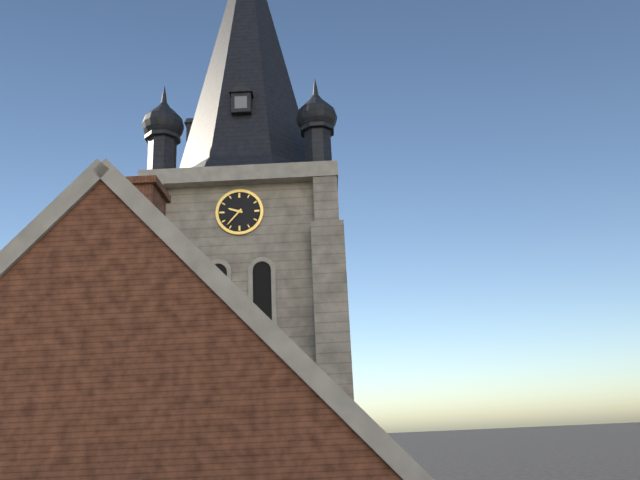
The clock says 9:37
